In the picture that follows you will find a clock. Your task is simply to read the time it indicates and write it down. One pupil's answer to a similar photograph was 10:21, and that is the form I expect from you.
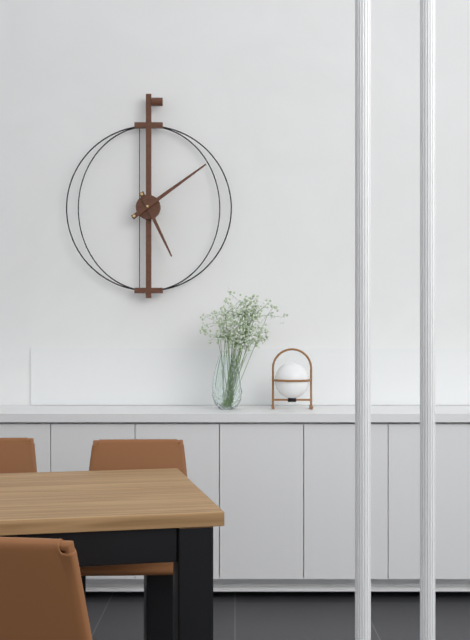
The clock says 5:09
